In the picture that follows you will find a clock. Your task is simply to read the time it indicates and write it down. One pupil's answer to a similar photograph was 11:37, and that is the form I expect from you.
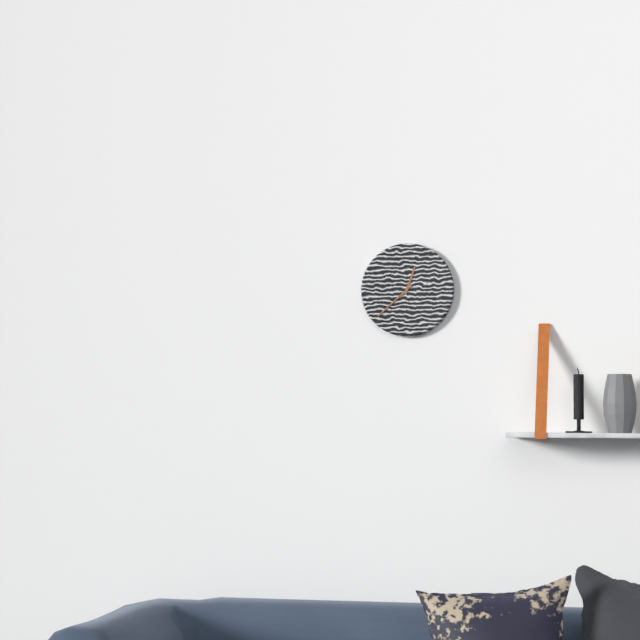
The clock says 12:38
